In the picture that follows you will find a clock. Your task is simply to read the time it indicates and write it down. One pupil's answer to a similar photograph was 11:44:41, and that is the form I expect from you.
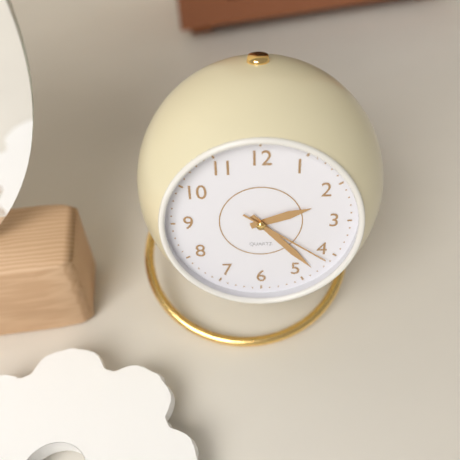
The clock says 2:23:21
